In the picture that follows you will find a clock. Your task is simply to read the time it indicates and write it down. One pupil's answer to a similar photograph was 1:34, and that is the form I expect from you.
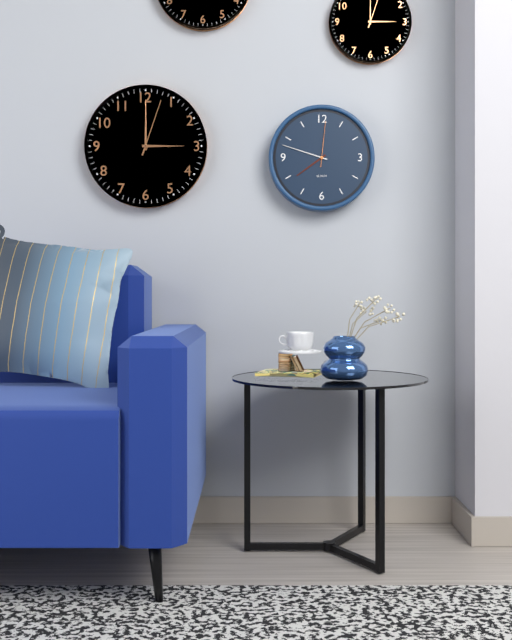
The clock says 7:48
